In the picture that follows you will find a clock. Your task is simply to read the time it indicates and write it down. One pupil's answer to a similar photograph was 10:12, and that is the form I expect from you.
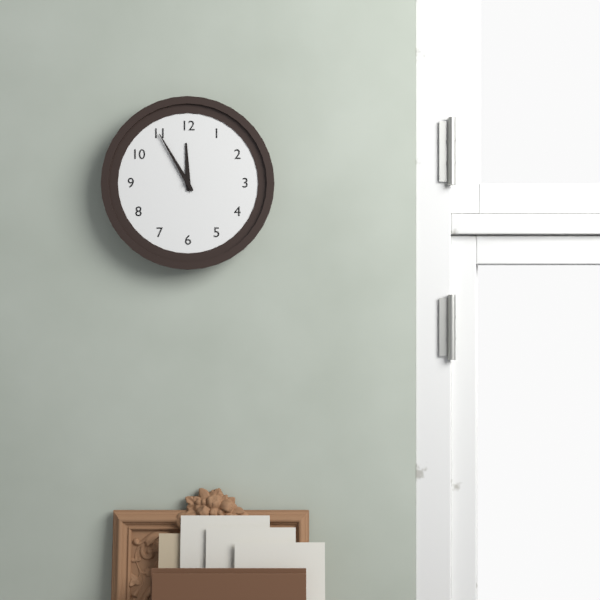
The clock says 11:55
